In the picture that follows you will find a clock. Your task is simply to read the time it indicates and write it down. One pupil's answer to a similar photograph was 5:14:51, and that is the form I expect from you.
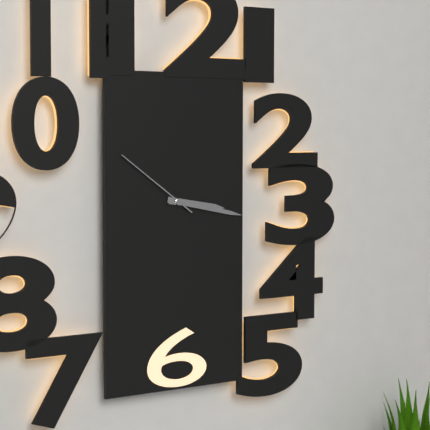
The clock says 3:17:51
